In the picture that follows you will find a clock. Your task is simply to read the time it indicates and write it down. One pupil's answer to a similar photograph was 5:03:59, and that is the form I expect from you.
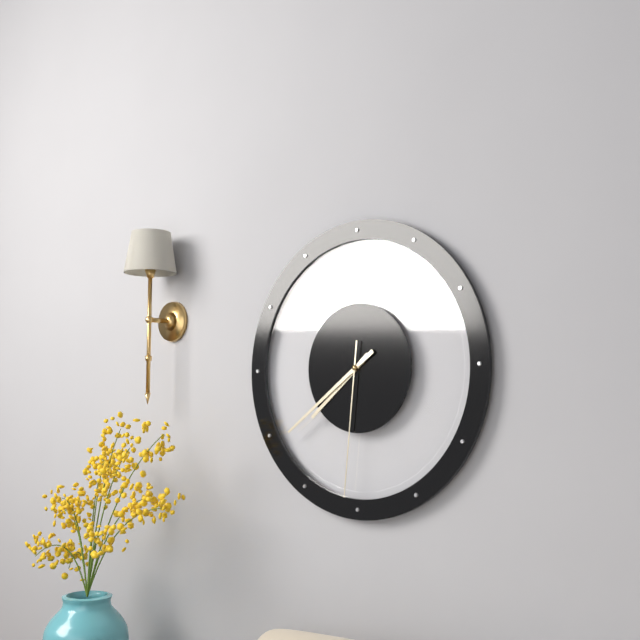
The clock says 7:39:31
